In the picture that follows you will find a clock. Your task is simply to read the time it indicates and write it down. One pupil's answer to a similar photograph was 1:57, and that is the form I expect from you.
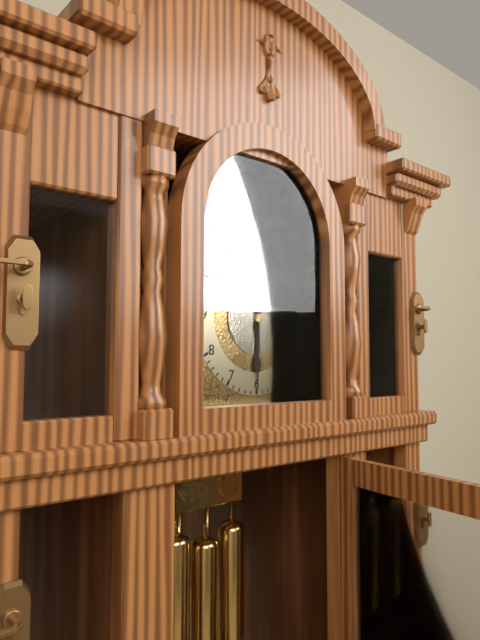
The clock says 12:30
